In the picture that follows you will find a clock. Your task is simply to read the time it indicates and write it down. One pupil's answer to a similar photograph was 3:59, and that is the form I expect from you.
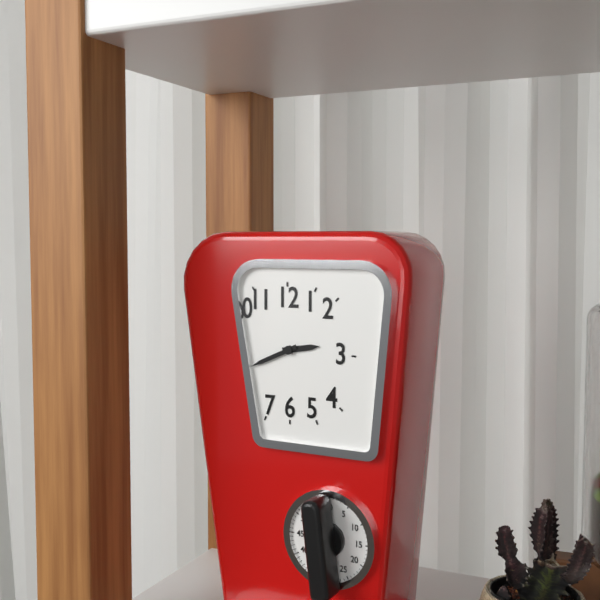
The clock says 2:41
